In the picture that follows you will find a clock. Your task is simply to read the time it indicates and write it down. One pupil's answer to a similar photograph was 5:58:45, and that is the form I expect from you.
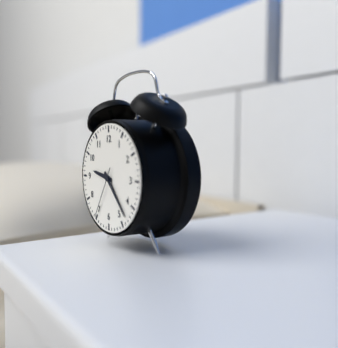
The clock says 9:23:35
